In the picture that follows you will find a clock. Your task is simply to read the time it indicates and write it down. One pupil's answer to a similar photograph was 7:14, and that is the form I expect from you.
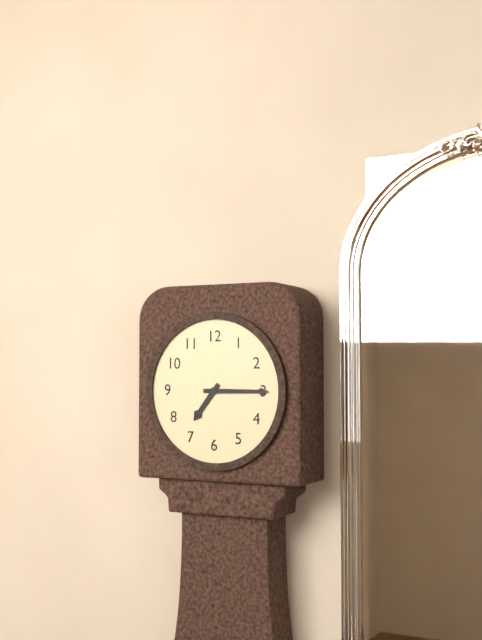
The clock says 7:15
